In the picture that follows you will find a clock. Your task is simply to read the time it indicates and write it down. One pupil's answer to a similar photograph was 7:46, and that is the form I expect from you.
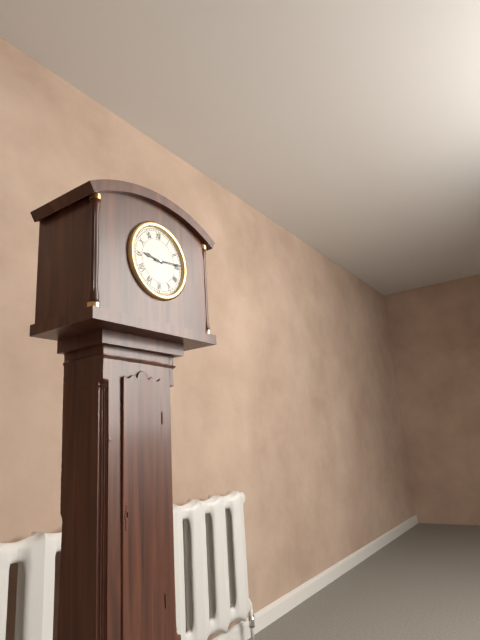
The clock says 9:14
